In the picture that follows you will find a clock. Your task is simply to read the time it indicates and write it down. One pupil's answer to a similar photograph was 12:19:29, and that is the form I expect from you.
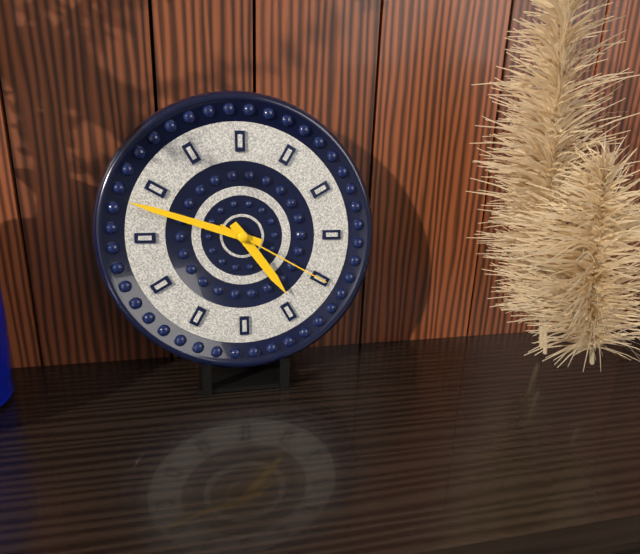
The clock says 4:48:20
